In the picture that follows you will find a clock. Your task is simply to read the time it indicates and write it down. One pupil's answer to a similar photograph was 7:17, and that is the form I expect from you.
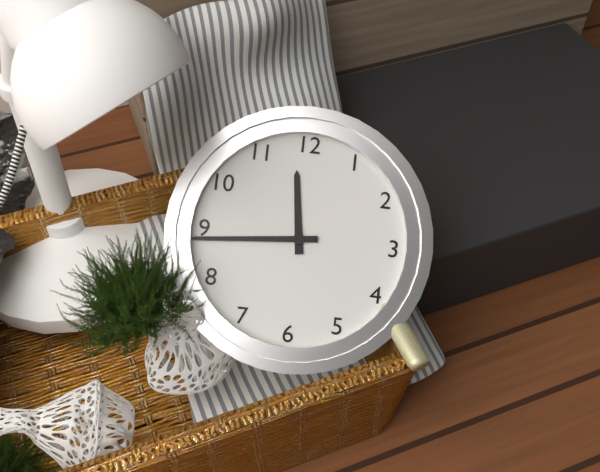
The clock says 11:44
